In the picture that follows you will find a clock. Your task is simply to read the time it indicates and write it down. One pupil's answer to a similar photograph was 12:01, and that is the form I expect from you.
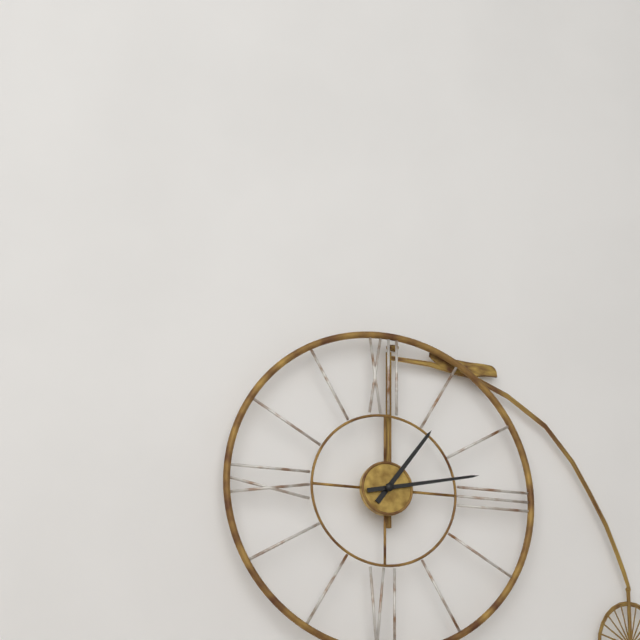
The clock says 1:13
